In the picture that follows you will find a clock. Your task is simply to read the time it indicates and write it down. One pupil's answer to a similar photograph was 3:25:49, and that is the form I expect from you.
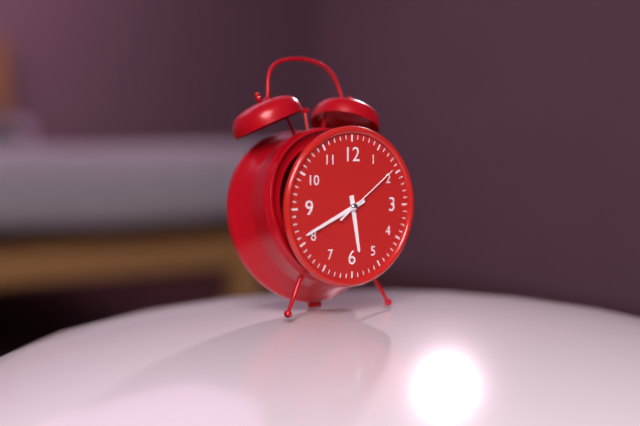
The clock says 5:41:09
